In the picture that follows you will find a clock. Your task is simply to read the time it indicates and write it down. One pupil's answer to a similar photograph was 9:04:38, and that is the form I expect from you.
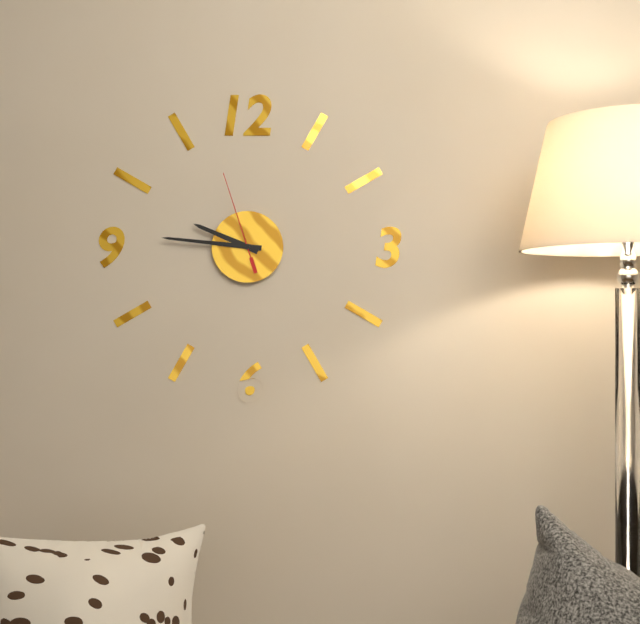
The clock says 9:46:57
